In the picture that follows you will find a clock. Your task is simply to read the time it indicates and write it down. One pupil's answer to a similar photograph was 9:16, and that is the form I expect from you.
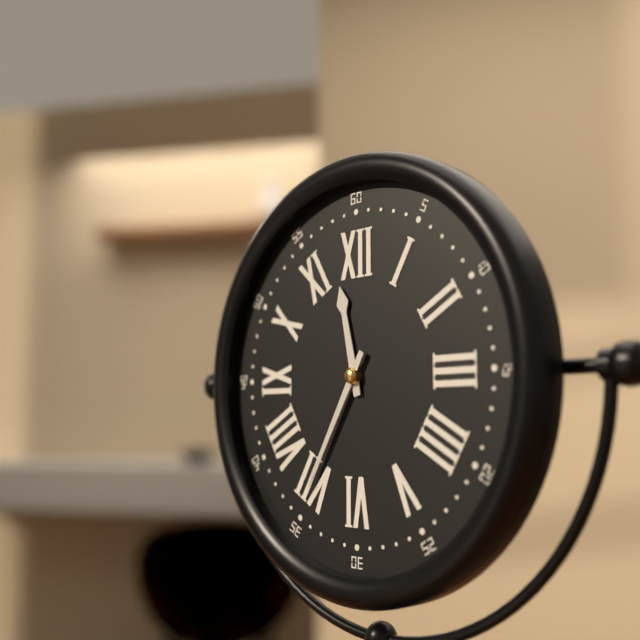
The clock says 11:35
